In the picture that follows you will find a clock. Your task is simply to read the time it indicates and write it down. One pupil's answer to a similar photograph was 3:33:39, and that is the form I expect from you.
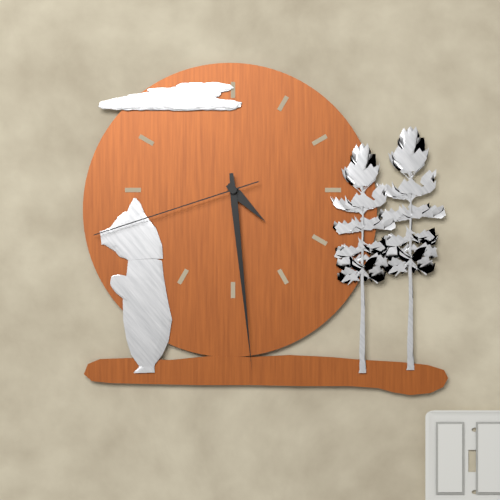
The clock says 4:29:42
